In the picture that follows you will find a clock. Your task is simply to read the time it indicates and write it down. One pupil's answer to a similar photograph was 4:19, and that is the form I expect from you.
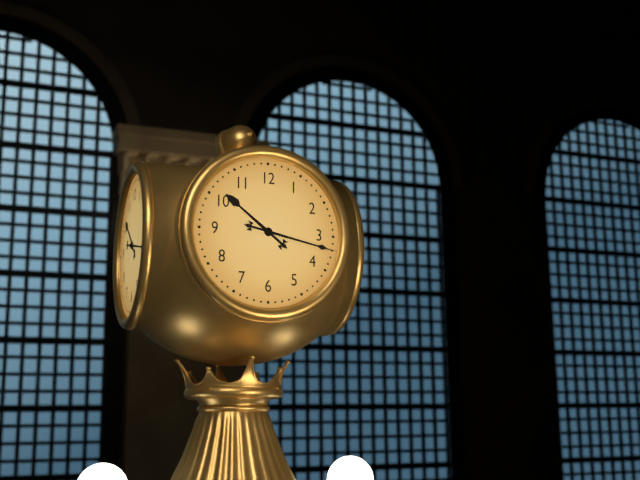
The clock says 10:17
